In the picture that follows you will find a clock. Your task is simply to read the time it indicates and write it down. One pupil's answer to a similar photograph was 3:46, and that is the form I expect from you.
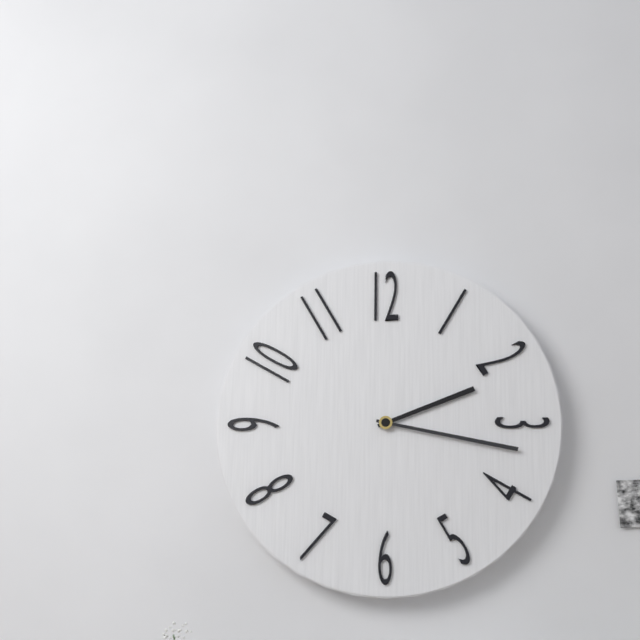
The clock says 2:17
